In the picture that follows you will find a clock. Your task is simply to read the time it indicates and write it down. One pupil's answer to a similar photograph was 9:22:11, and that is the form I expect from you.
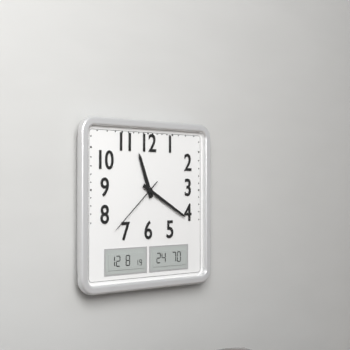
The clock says 11:20:38
